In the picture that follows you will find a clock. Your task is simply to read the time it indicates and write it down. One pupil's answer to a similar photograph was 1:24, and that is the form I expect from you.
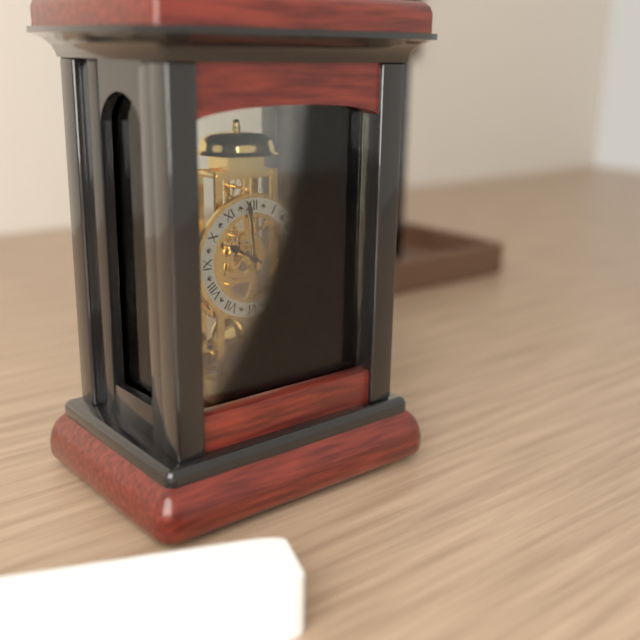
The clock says 9:59
